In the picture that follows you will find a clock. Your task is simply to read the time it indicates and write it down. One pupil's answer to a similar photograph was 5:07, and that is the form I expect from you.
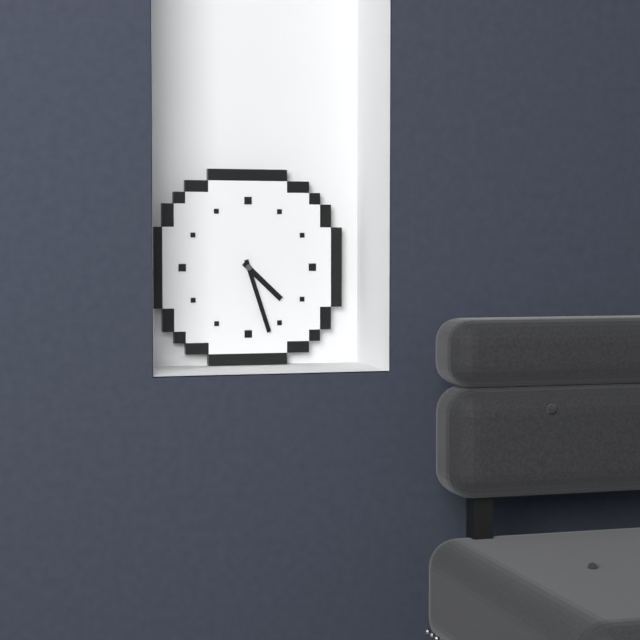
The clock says 4:27
